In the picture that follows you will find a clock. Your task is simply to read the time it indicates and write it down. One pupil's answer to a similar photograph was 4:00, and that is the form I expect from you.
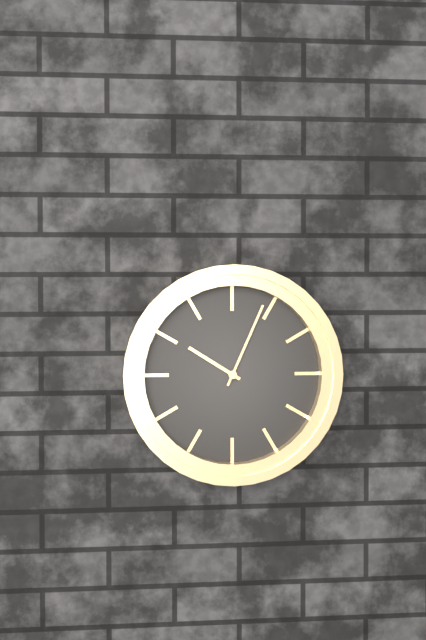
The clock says 10:04
